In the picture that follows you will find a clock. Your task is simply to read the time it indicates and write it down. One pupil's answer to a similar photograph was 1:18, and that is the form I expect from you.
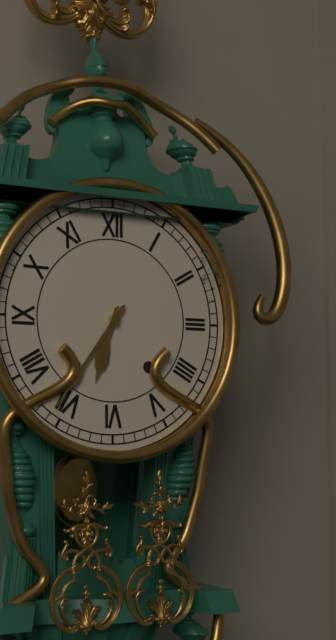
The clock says 6:36
